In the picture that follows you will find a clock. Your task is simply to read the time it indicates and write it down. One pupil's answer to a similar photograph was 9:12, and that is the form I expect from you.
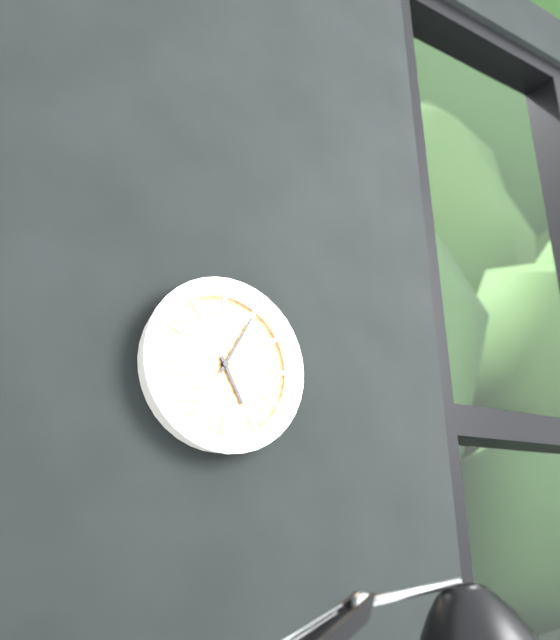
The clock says 5:05
